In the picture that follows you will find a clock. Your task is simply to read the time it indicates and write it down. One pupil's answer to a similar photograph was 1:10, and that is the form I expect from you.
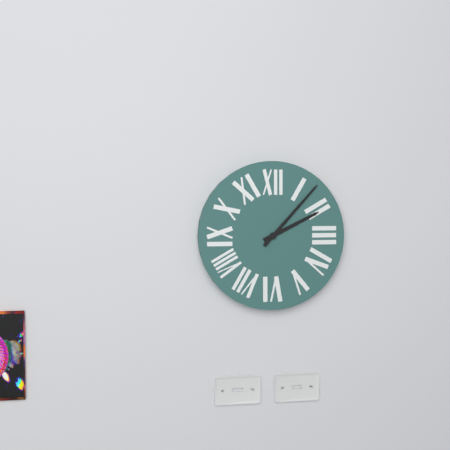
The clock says 2:07
